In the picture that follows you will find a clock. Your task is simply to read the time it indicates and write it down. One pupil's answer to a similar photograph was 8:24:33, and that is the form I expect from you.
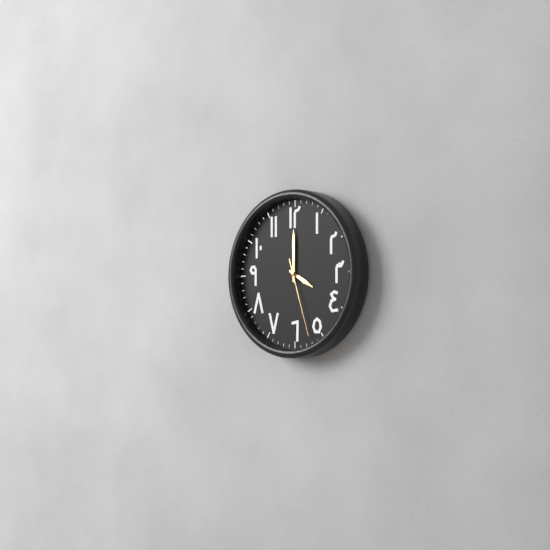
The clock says 4:00:27
